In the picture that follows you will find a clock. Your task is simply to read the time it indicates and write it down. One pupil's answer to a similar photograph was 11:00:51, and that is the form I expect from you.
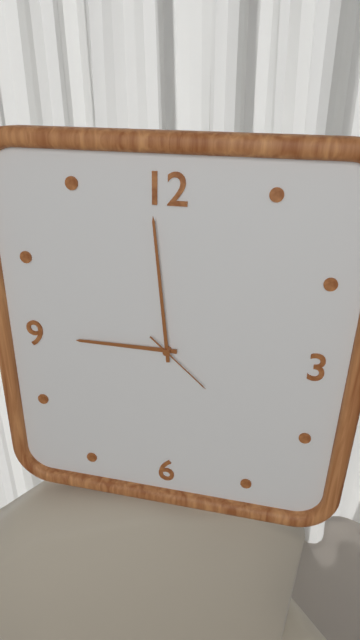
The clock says 8:59:22
